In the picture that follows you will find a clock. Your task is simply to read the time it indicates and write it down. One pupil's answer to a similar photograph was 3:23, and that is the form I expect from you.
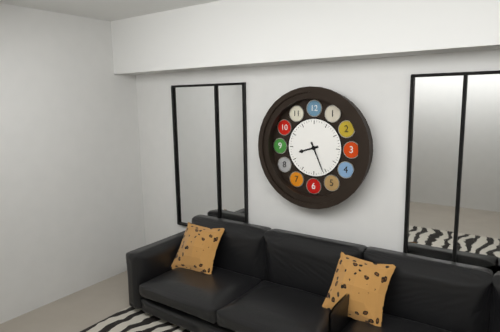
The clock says 8:26
